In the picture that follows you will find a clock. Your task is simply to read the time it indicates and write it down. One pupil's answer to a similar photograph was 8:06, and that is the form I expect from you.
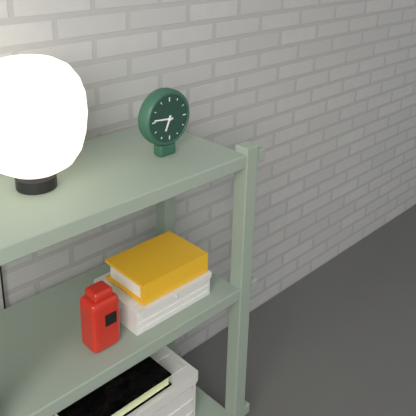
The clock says 6:46
